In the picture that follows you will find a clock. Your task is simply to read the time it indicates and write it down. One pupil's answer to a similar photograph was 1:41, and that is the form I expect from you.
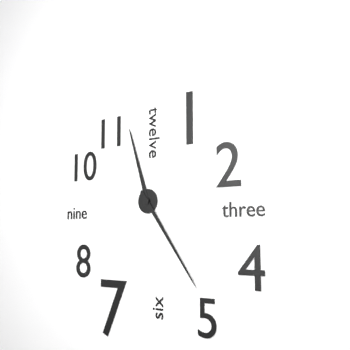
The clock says 11:24
